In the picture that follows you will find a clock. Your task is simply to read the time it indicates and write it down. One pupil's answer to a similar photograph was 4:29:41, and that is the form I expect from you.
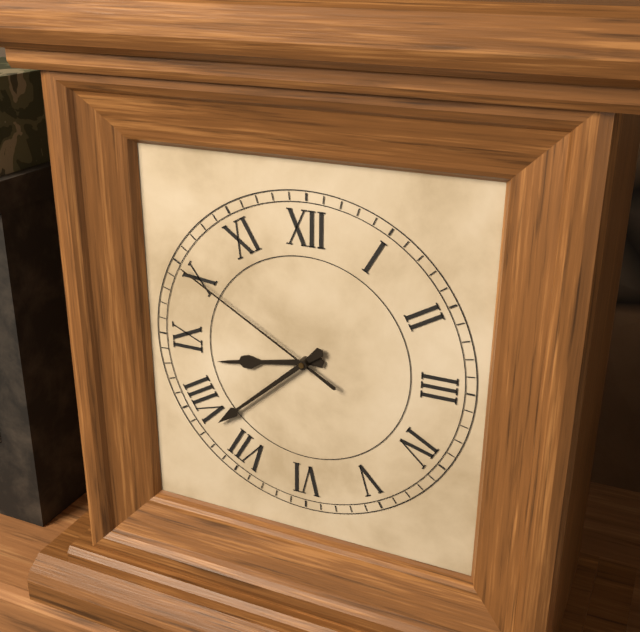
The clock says 8:38:50
